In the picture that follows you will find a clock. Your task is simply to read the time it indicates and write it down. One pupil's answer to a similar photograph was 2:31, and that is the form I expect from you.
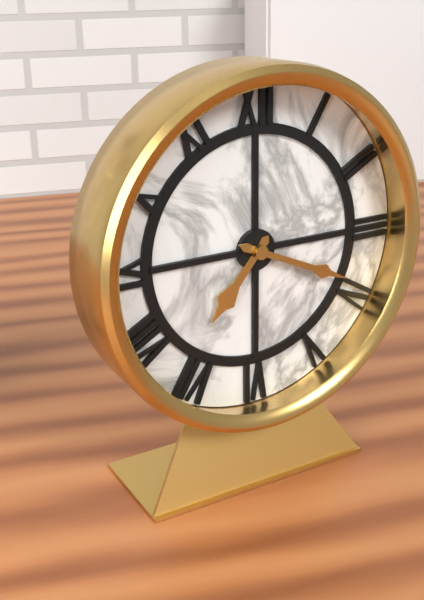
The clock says 7:19
